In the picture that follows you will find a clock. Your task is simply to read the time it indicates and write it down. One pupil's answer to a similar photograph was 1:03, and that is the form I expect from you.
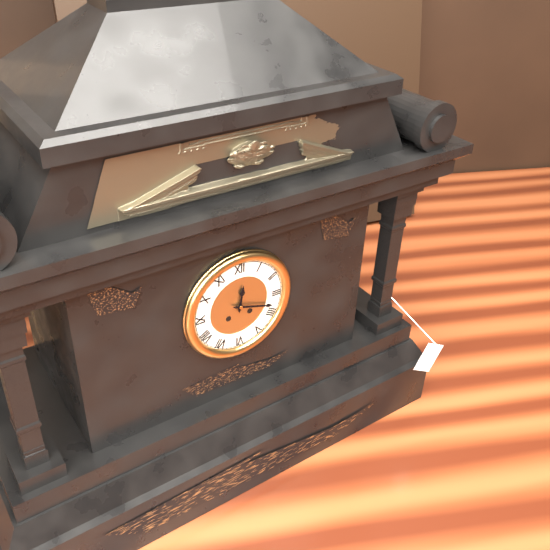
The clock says 12:18
